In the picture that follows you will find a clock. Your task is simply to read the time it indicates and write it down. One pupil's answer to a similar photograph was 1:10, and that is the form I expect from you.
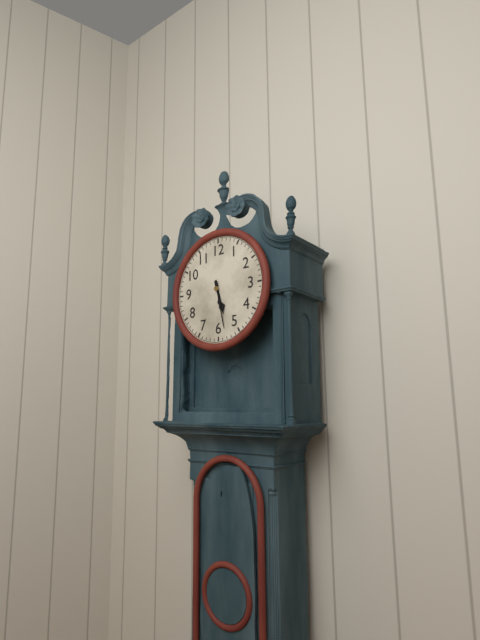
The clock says 5:28
